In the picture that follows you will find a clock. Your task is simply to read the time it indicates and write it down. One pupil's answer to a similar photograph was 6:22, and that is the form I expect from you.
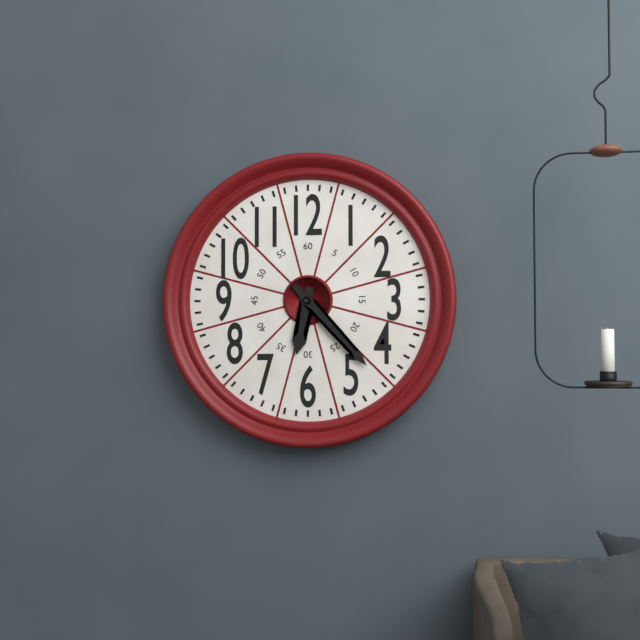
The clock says 6:23
